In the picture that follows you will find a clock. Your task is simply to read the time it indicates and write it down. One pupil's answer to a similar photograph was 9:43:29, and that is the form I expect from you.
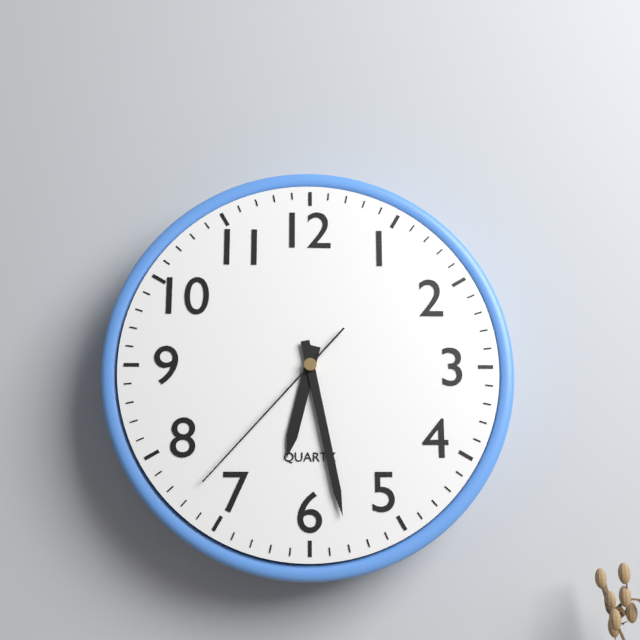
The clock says 6:28:37
